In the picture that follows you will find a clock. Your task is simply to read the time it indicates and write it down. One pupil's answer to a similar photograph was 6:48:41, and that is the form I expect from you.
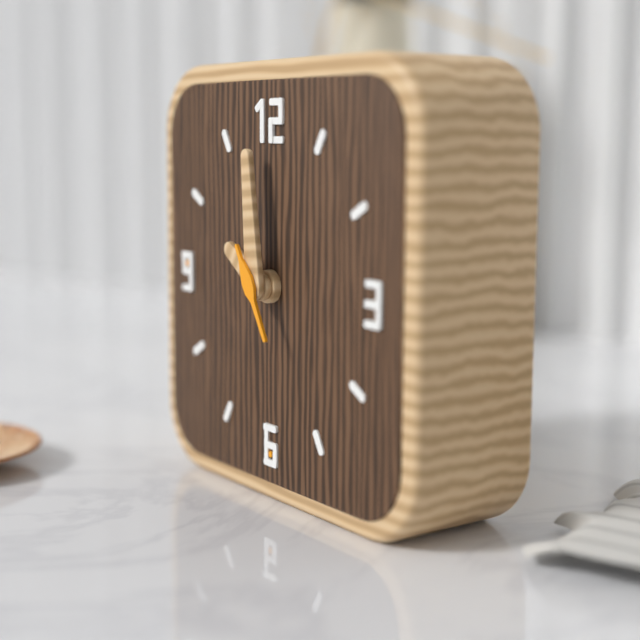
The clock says 9:59:25
